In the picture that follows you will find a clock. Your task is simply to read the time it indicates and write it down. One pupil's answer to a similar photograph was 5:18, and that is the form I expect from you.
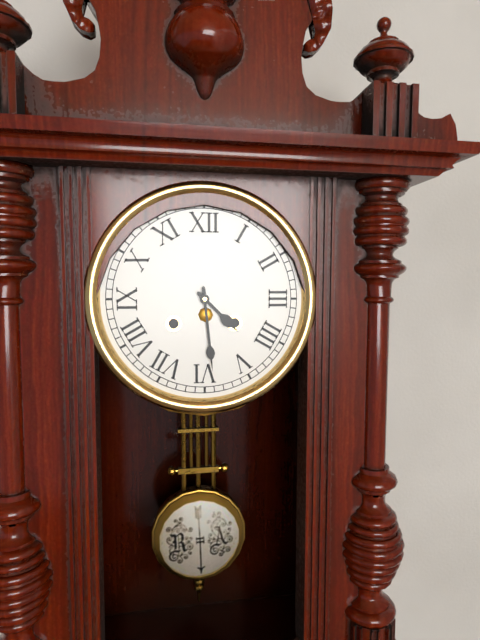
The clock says 4:29
